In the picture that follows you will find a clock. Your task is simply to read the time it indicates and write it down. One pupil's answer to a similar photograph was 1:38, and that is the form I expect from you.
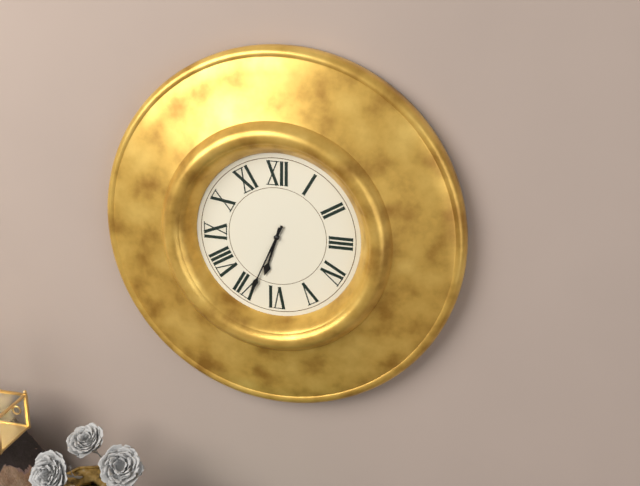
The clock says 6:34
